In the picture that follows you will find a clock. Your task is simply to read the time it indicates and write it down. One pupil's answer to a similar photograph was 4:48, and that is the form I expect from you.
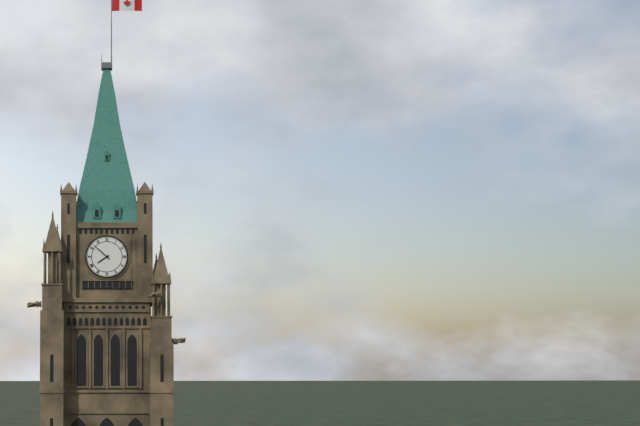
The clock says 7:52
